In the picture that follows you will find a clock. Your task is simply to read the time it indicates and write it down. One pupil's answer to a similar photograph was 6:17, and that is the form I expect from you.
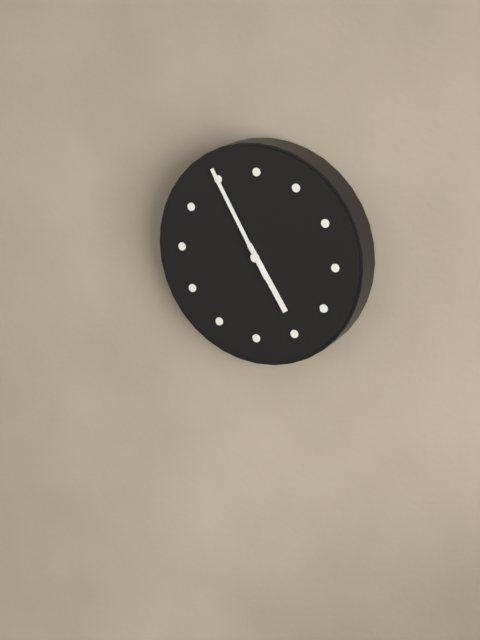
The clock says 4:55
